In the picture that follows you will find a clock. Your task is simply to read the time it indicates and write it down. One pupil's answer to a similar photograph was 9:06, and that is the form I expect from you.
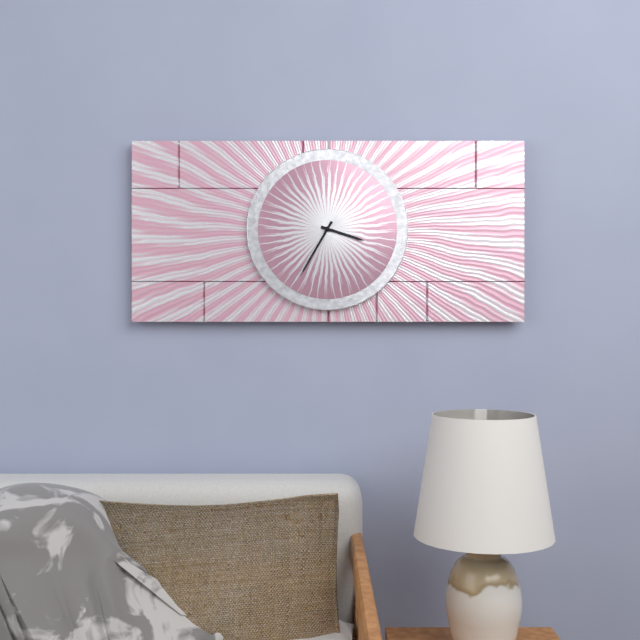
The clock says 3:35
